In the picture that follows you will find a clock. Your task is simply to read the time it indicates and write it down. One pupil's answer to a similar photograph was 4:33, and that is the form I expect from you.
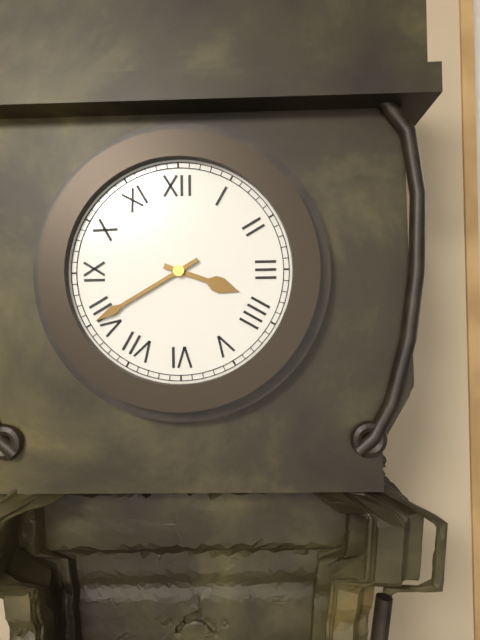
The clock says 3:40
